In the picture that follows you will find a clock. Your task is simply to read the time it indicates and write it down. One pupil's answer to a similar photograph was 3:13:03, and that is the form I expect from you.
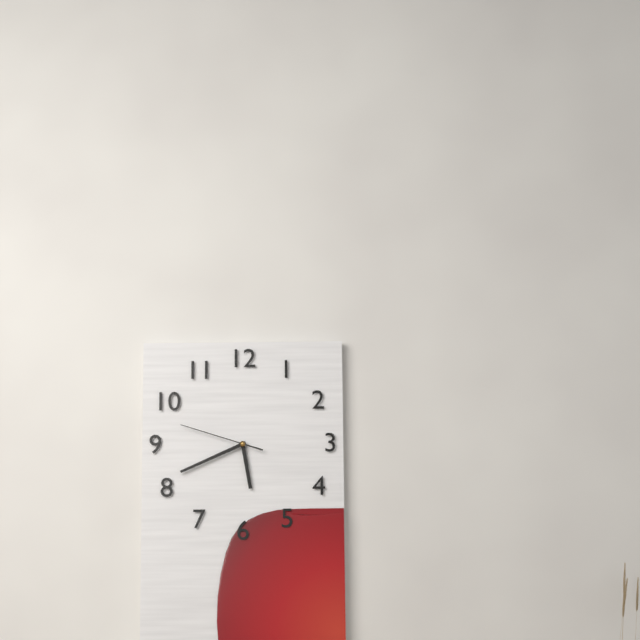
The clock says 5:41:48
